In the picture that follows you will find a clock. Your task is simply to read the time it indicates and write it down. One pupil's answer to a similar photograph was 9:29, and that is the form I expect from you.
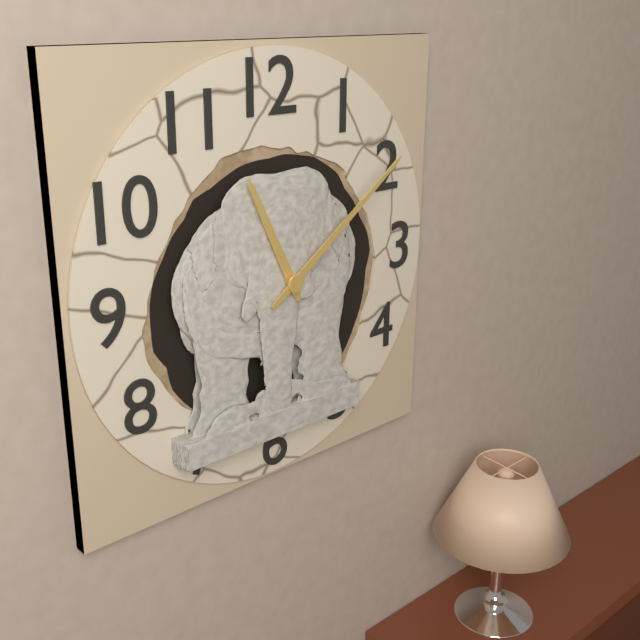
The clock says 11:09
